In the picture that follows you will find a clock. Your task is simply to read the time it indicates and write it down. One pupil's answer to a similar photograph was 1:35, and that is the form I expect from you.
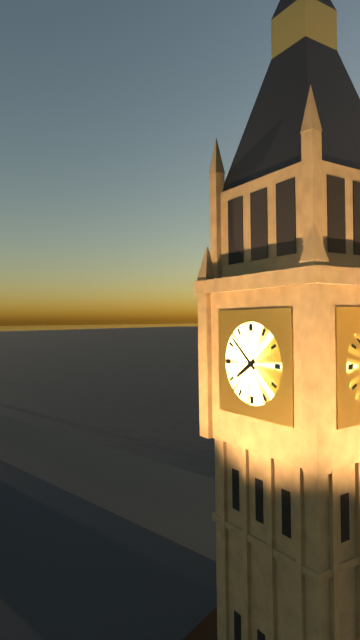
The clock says 7:52
